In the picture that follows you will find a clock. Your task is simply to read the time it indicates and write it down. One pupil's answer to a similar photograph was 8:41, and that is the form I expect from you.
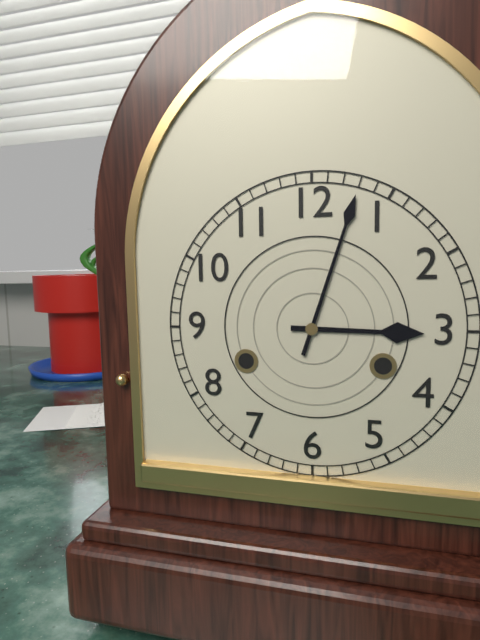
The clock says 3:03
